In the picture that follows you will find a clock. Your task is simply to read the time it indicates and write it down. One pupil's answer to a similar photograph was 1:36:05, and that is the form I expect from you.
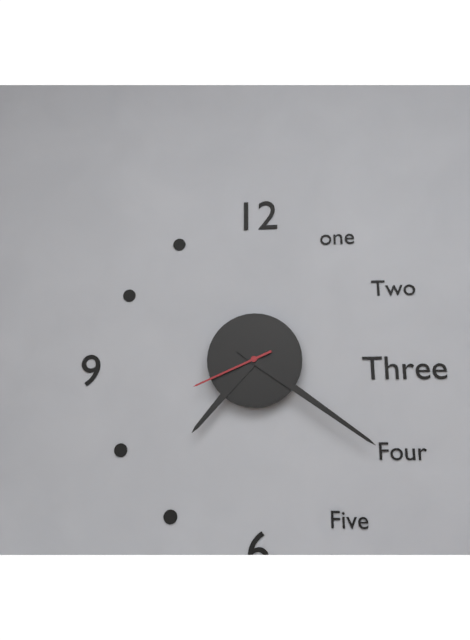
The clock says 7:21:41
